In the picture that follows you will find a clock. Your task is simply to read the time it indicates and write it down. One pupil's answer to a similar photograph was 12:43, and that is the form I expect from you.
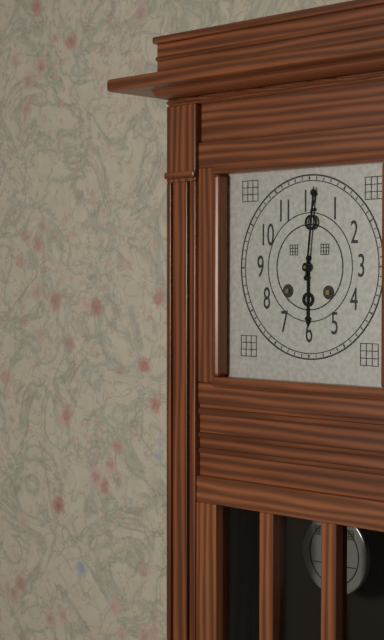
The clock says 6:01
